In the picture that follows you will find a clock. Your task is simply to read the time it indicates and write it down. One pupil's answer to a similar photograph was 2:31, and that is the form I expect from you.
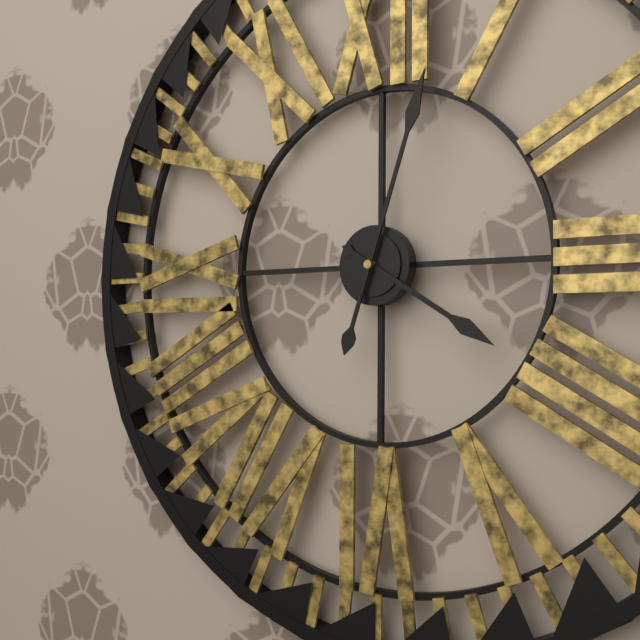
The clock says 4:03
